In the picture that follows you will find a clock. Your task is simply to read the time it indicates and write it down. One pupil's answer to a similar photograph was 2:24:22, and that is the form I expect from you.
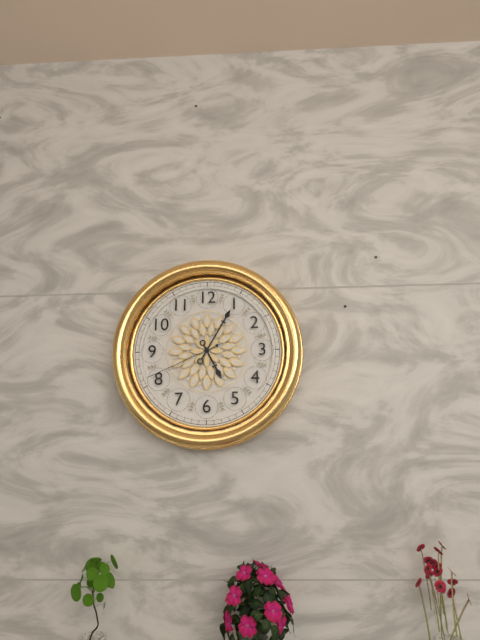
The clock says 5:05:41
